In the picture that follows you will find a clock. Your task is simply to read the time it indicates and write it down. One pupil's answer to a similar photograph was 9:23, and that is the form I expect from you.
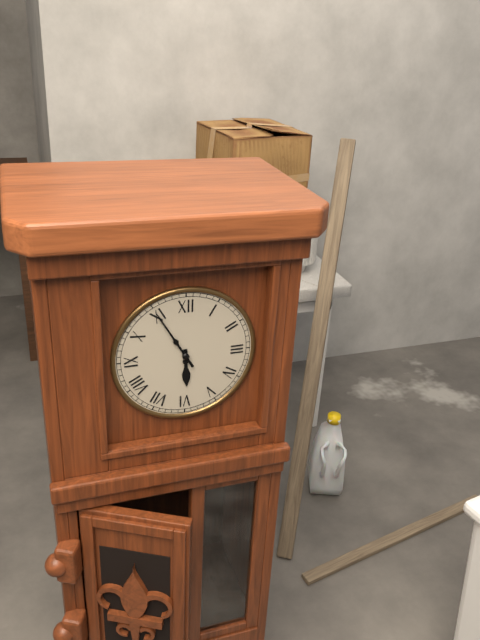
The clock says 5:55
